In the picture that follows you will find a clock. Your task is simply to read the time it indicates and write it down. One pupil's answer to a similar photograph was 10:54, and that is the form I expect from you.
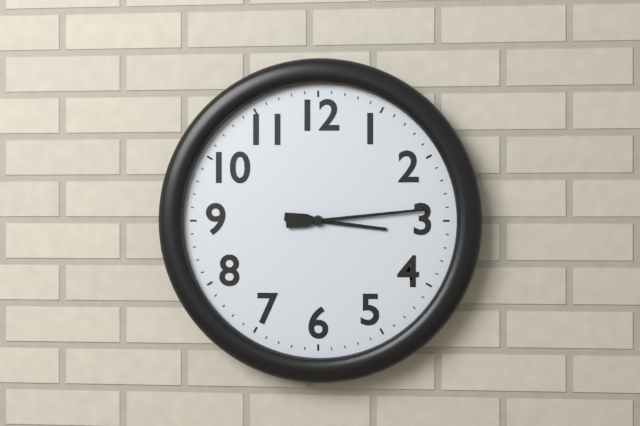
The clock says 3:14
